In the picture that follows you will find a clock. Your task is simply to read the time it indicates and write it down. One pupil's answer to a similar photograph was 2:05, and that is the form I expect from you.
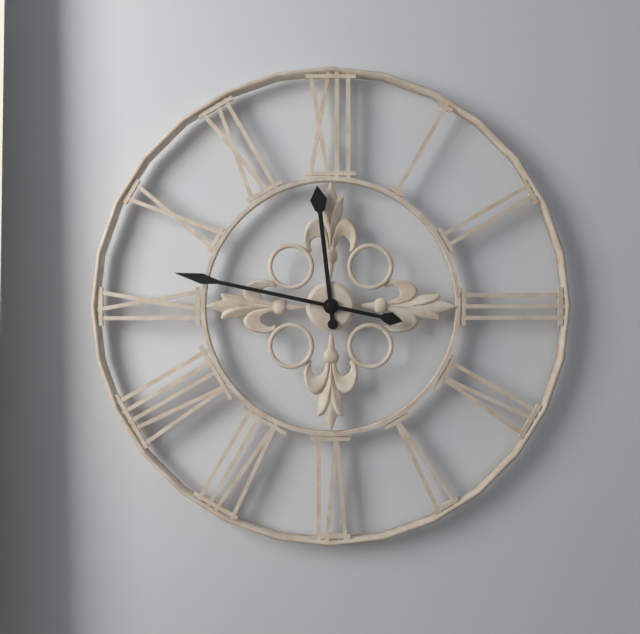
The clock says 11:47
